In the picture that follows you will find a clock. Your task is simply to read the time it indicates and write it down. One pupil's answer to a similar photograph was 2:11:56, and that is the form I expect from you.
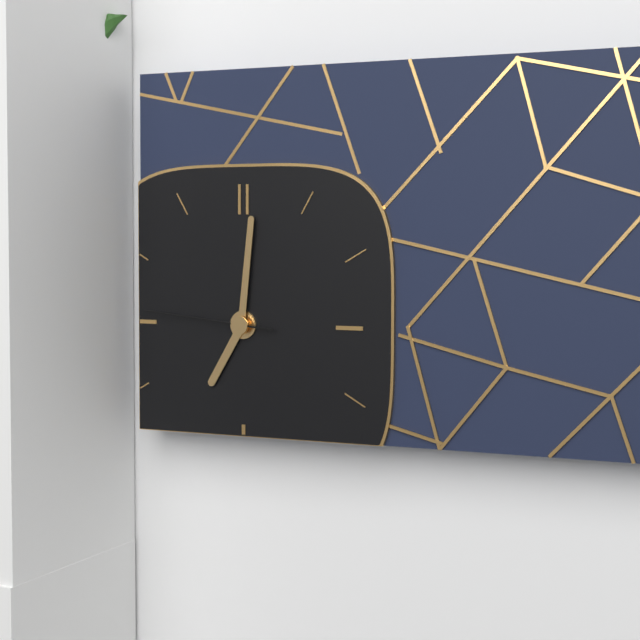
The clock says 7:01:46
